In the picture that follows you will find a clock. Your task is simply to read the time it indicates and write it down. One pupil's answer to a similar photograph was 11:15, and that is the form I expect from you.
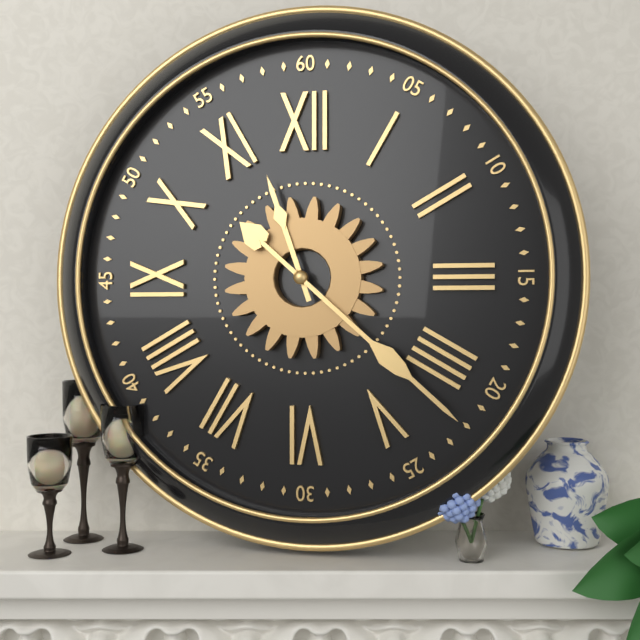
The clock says 11:22
